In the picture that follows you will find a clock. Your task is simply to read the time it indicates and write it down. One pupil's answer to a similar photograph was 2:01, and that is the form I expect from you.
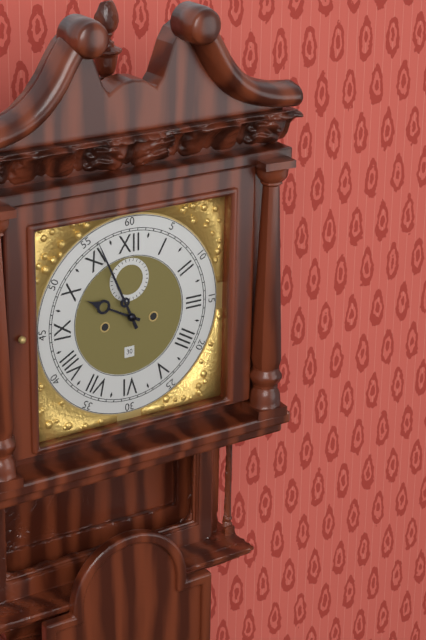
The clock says 9:56
